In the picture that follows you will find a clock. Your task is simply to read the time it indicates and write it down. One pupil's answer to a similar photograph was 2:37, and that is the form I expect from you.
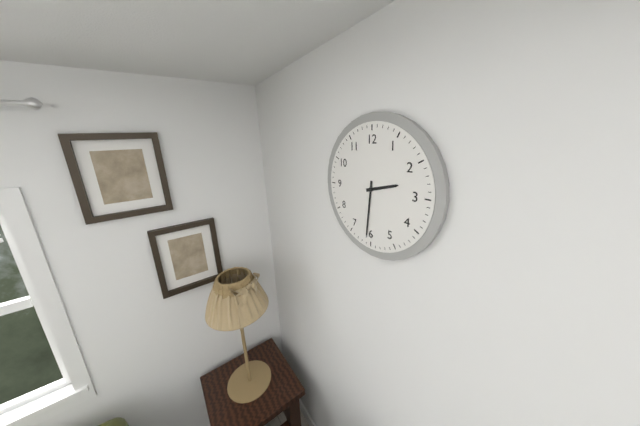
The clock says 2:31
